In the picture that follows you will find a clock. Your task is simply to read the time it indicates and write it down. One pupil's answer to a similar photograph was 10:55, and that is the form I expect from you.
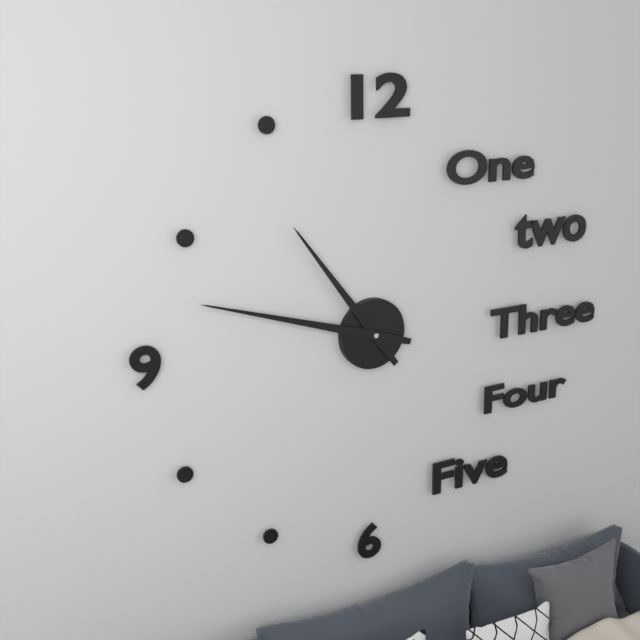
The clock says 10:48
